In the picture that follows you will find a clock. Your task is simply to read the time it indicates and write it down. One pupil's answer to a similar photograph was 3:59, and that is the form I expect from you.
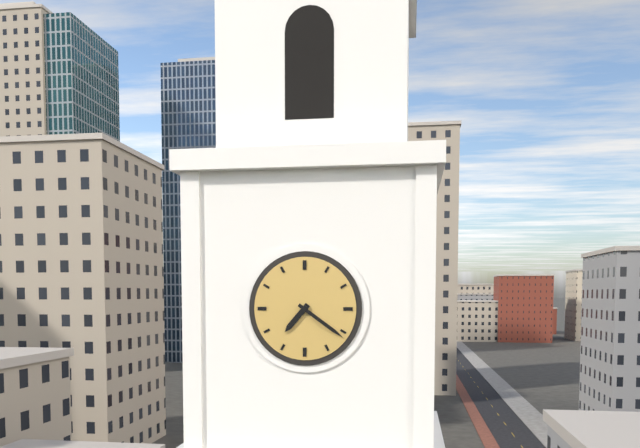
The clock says 7:21
